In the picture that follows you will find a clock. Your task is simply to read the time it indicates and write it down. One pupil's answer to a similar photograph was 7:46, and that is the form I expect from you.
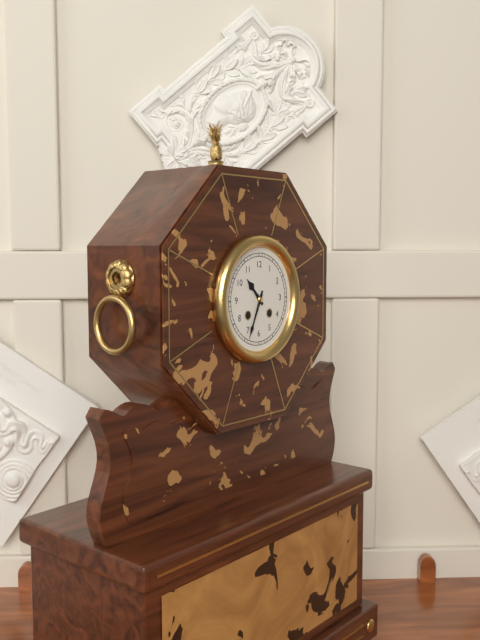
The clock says 10:34
